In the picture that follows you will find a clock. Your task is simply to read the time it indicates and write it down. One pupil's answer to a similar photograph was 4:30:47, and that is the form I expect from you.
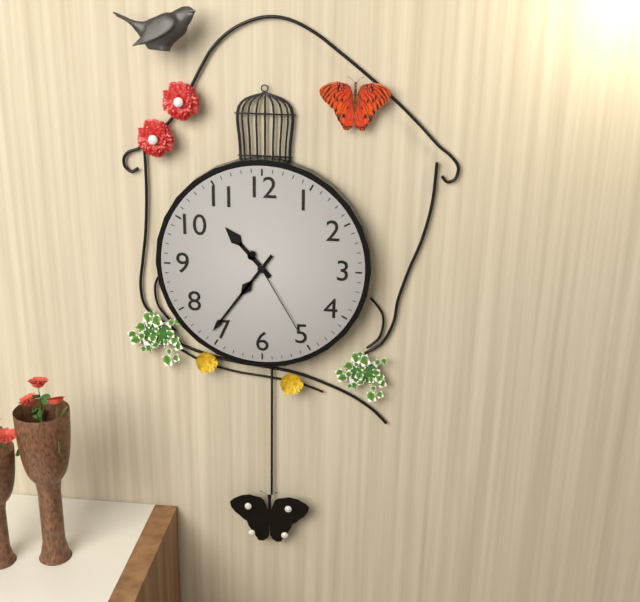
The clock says 10:36:25
